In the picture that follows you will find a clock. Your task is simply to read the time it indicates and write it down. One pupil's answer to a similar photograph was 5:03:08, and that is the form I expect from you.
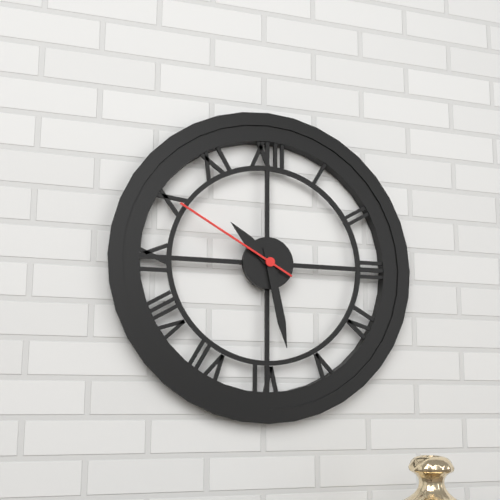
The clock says 10:28:50
